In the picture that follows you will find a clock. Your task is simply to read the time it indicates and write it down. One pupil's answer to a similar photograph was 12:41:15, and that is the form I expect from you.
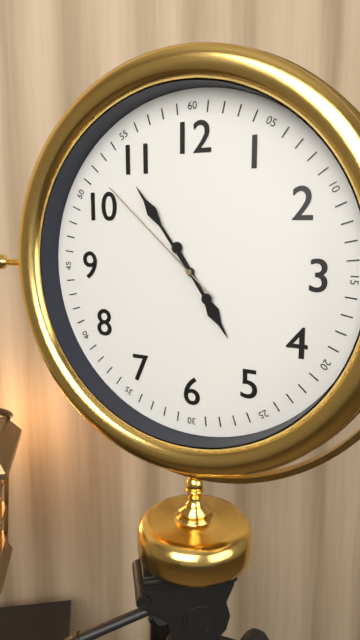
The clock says 4:54:52
